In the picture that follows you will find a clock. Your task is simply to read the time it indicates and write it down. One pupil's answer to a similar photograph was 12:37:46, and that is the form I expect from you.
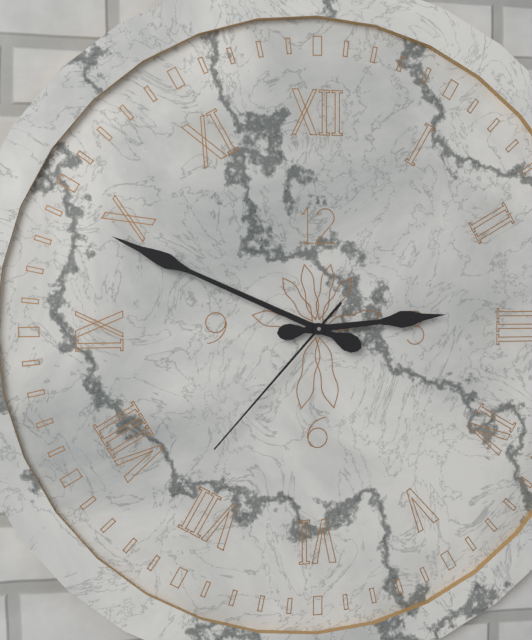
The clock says 2:49:37
